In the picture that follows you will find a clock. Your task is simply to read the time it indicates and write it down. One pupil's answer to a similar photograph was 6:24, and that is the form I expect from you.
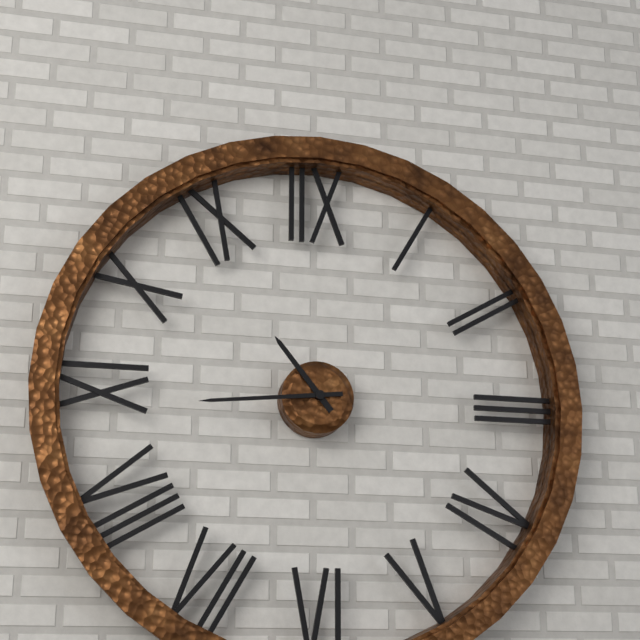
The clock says 10:44
